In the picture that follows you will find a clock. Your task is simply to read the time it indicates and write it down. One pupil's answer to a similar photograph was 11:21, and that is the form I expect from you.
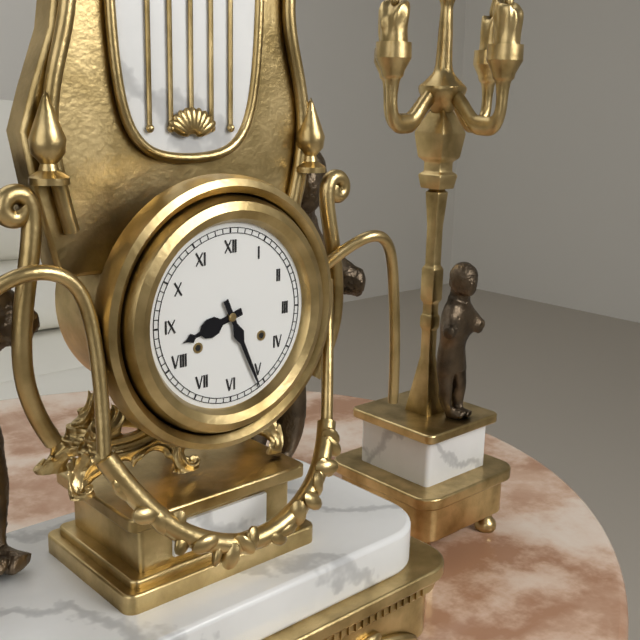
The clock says 8:26
